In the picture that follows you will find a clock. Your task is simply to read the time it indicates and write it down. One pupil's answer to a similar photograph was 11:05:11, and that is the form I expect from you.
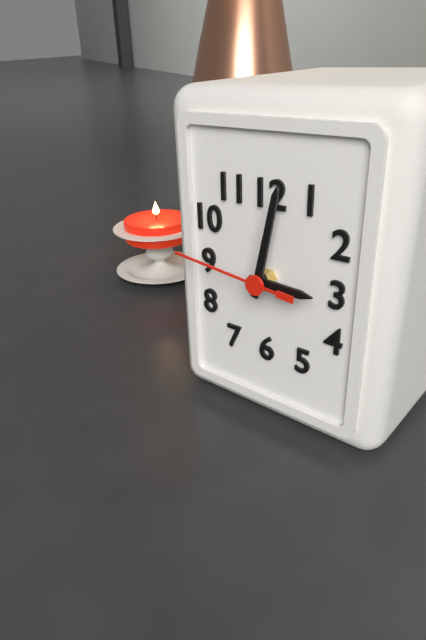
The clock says 3:02:46
